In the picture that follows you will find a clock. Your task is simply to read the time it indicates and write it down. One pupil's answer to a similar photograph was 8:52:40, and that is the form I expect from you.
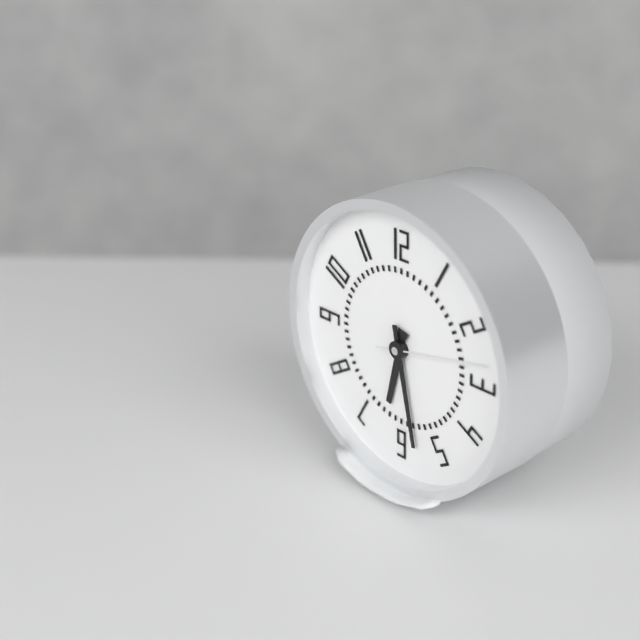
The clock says 6:28:13
